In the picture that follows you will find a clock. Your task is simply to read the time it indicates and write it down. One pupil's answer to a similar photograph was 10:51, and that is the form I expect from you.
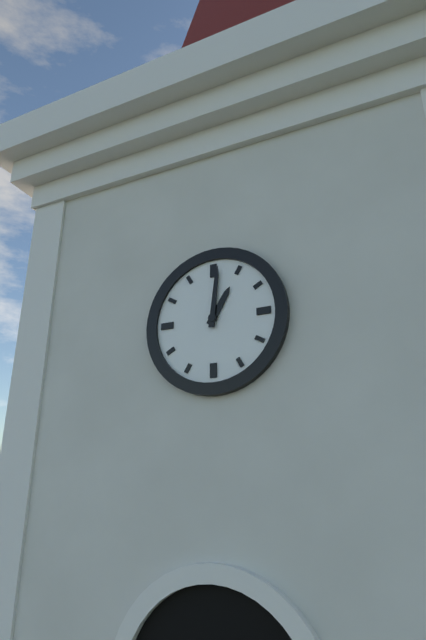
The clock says 1:01
